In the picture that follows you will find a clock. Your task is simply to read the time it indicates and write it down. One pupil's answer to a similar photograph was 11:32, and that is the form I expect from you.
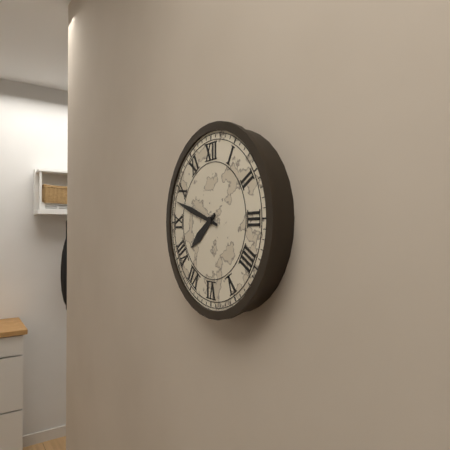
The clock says 7:48
